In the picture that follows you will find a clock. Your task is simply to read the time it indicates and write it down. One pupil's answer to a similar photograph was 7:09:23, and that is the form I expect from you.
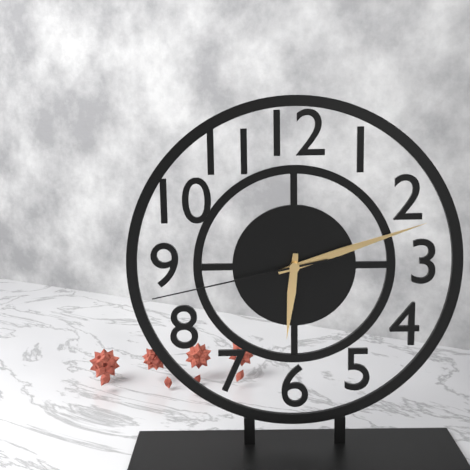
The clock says 6:12:43
